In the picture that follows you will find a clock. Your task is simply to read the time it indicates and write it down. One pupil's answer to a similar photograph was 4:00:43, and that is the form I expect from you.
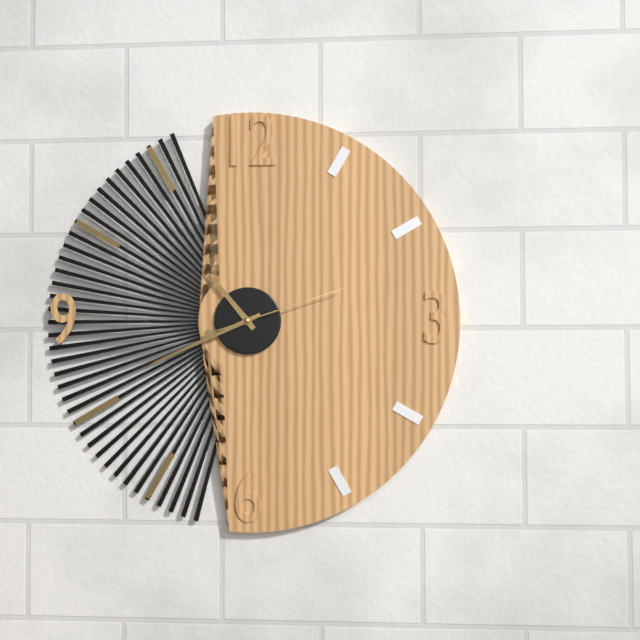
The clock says 10:41:12
